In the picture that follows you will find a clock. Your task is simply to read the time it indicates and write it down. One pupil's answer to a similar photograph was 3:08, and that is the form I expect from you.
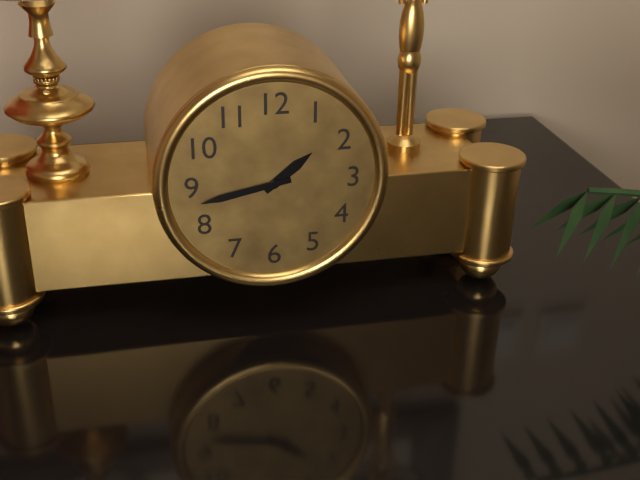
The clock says 1:43
